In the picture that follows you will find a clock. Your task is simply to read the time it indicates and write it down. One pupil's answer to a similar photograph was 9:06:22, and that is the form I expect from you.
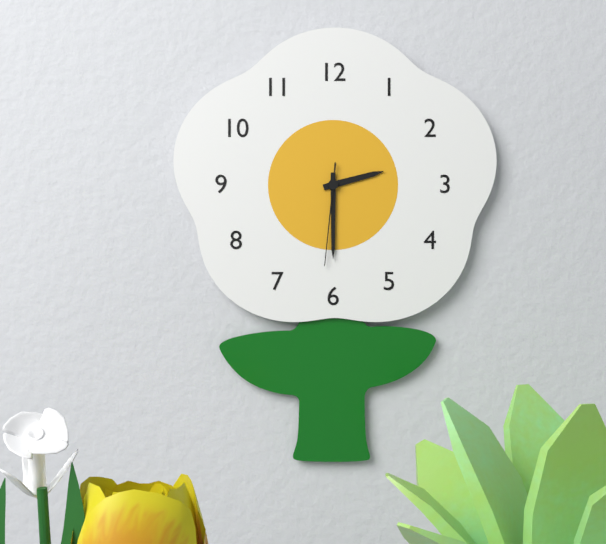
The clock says 2:30:31
